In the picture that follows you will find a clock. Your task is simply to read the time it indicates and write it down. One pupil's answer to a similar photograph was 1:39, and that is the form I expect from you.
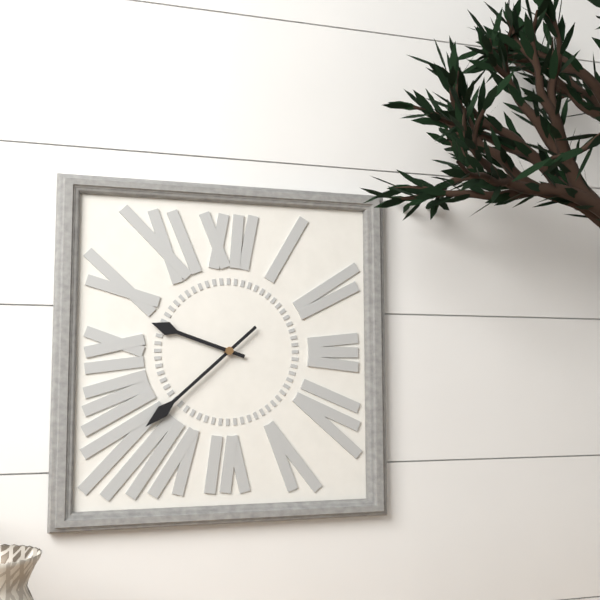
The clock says 9:38
